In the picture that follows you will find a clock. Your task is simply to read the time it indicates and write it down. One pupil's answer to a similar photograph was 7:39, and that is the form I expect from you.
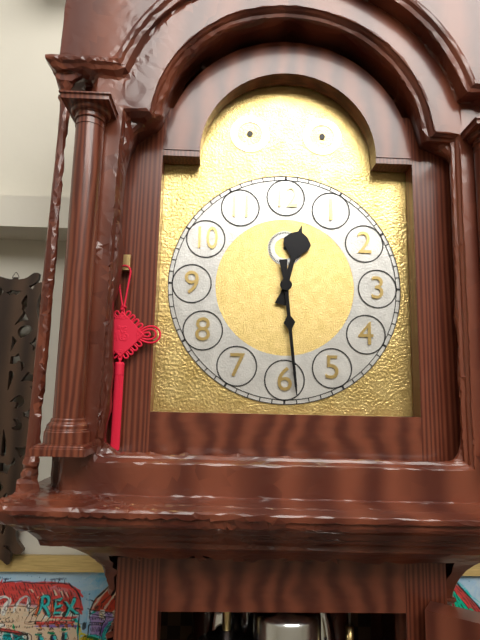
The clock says 12:29
